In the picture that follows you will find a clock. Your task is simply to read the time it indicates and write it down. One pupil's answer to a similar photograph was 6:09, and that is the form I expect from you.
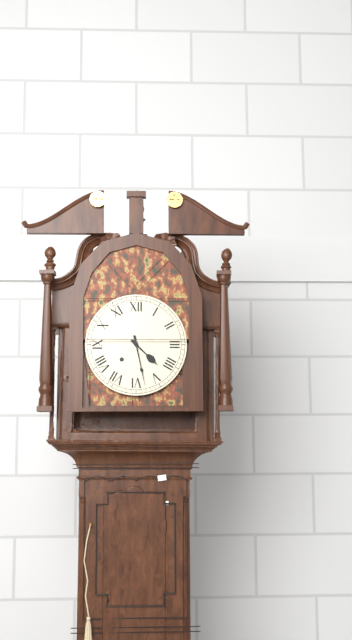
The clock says 4:28
